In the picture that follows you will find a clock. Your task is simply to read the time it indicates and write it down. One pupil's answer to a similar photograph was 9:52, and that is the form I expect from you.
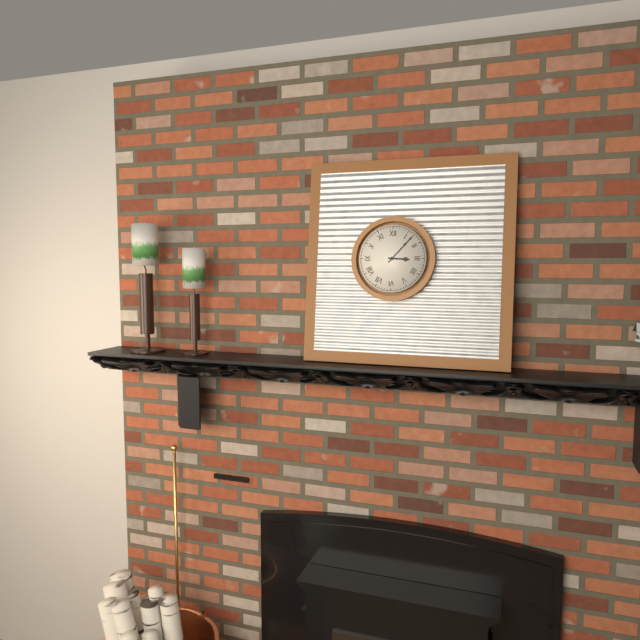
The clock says 3:07
